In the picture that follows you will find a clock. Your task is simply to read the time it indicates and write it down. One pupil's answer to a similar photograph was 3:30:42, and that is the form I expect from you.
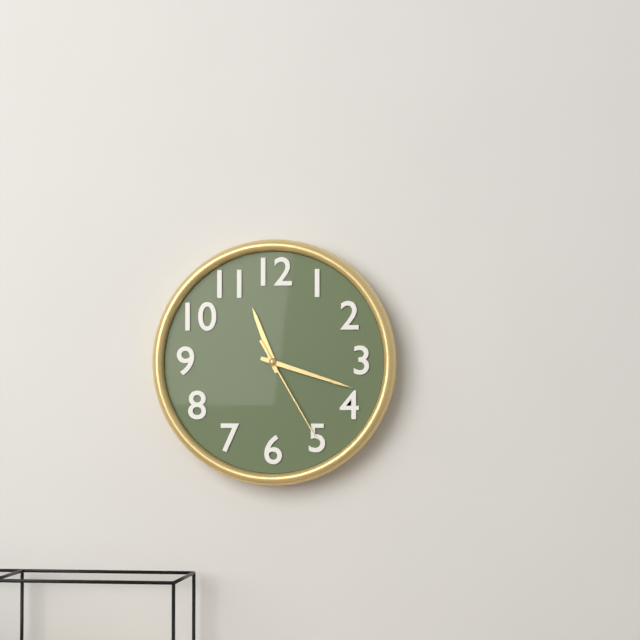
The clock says 11:18:25
